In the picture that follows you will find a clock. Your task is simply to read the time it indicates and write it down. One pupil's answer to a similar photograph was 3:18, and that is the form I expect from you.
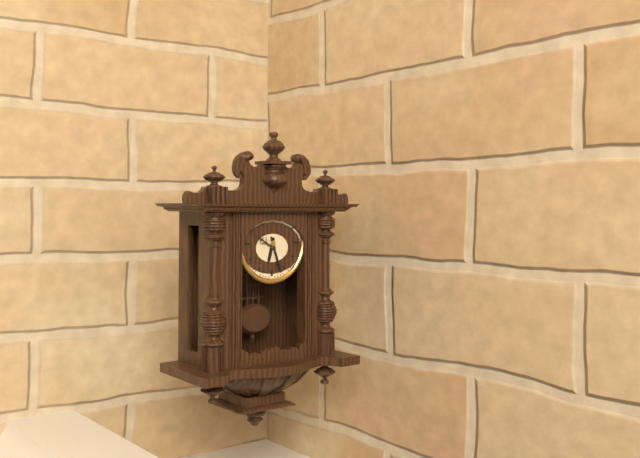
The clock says 6:27
